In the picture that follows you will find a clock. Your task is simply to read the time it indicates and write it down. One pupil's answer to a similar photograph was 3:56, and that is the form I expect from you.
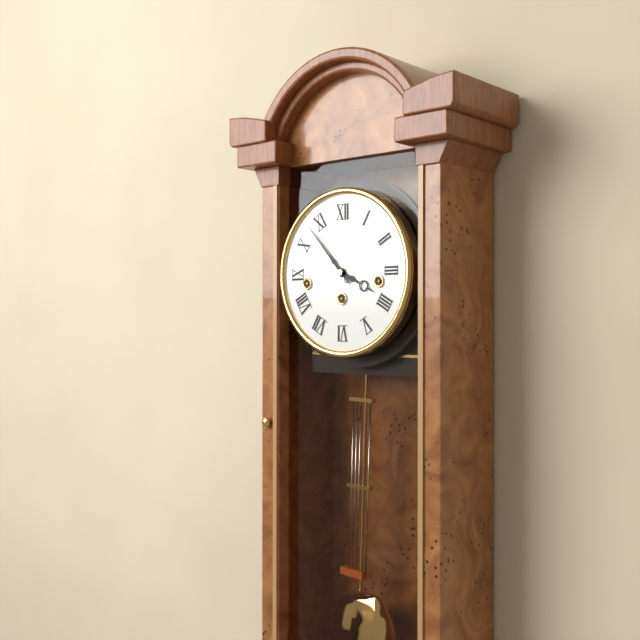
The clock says 3:53
